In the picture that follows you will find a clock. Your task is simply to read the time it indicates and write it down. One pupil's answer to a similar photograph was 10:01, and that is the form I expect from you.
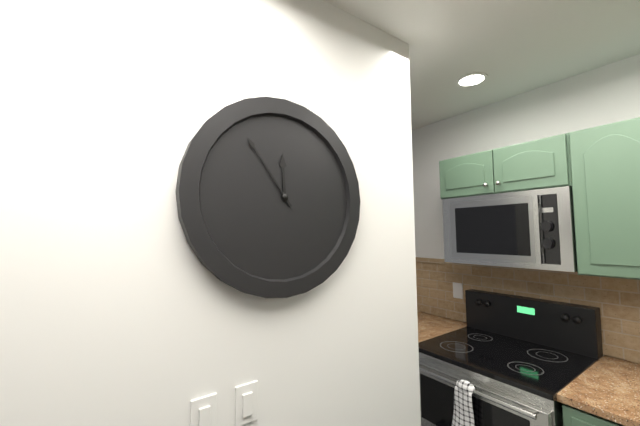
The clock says 11:54
